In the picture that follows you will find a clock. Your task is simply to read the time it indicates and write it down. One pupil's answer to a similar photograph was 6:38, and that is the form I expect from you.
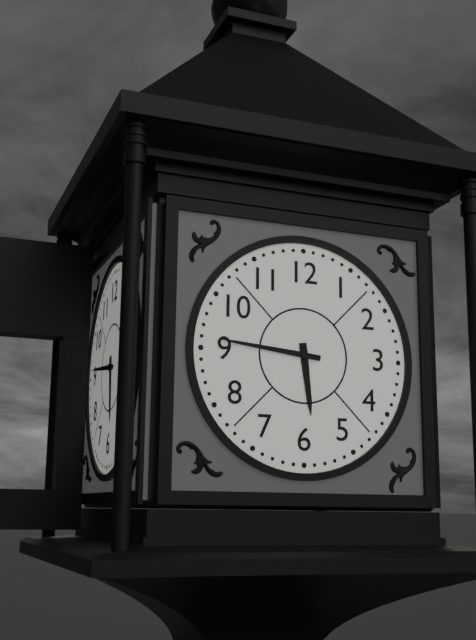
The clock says 5:46
